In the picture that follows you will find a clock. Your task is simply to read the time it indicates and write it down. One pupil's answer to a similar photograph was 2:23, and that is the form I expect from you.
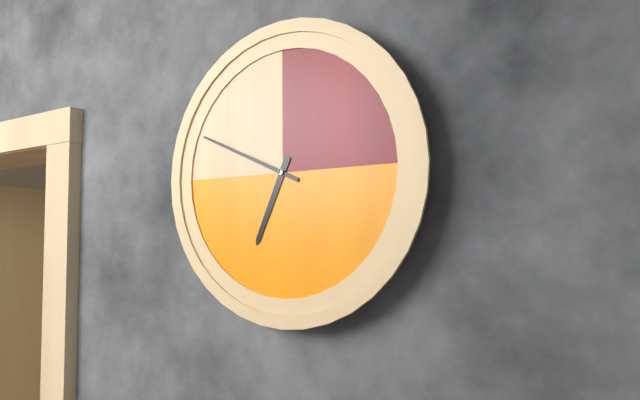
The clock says 6:49
